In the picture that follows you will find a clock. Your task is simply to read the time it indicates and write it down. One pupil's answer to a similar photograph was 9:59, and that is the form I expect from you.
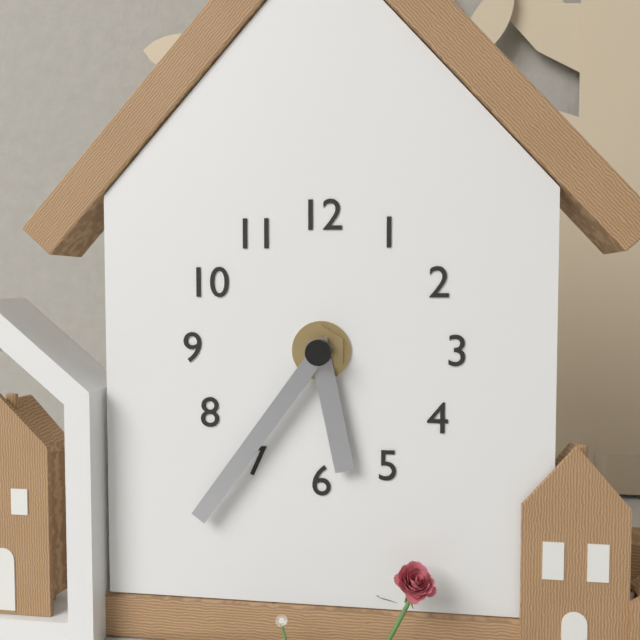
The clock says 5:36
